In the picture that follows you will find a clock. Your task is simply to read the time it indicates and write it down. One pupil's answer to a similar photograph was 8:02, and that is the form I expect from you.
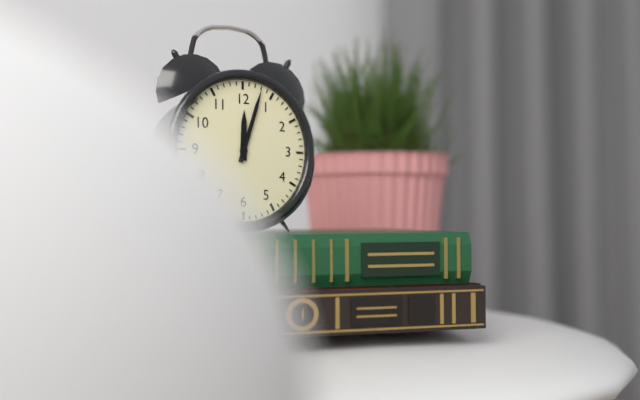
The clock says 12:03
